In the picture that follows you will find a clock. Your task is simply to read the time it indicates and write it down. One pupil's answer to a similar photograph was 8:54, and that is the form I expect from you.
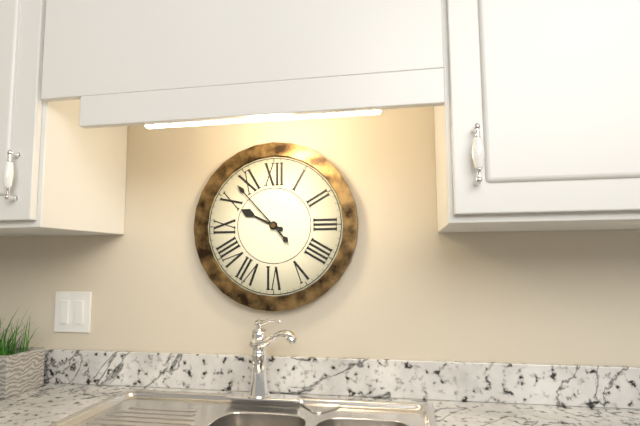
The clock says 9:53
